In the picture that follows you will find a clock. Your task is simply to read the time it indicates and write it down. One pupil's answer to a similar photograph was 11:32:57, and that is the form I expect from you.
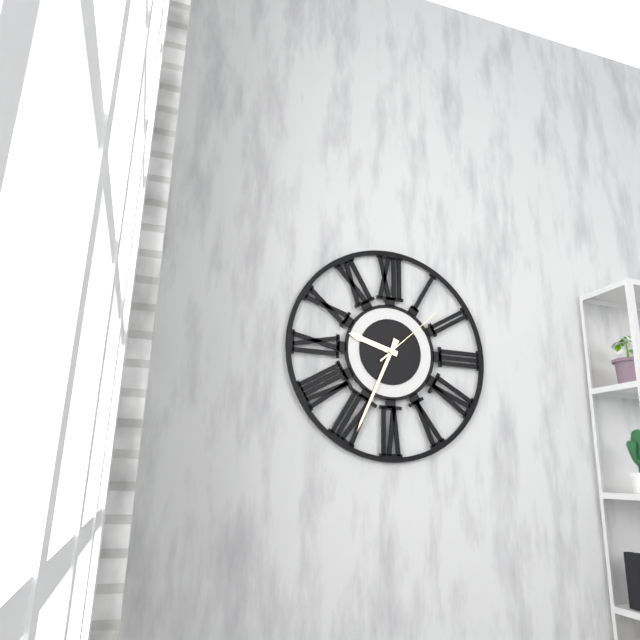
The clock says 9:34:08
